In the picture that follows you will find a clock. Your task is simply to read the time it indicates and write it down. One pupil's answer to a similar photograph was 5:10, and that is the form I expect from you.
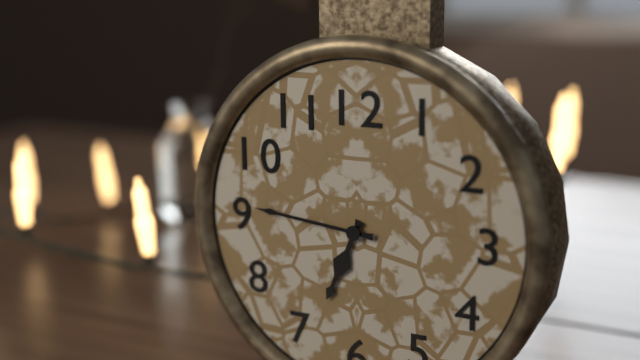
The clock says 6:46
